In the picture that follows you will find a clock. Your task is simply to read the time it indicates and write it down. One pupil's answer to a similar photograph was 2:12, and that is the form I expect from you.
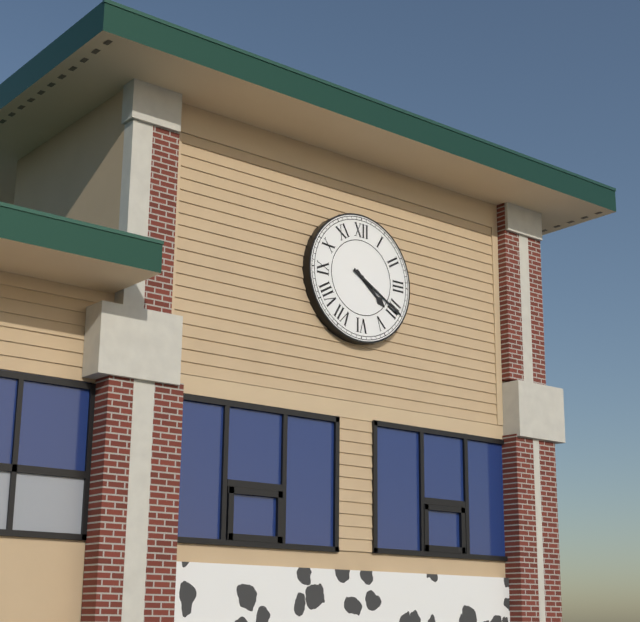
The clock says 4:20
